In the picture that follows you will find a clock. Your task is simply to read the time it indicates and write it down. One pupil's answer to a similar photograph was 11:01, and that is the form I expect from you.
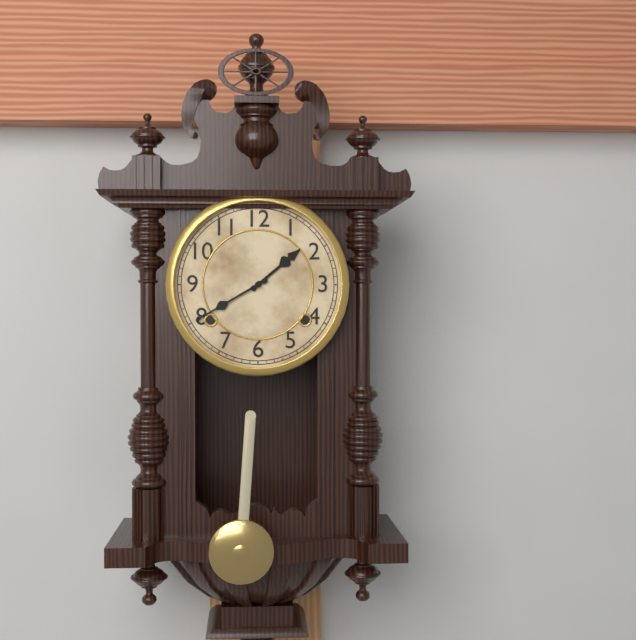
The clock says 1:40
